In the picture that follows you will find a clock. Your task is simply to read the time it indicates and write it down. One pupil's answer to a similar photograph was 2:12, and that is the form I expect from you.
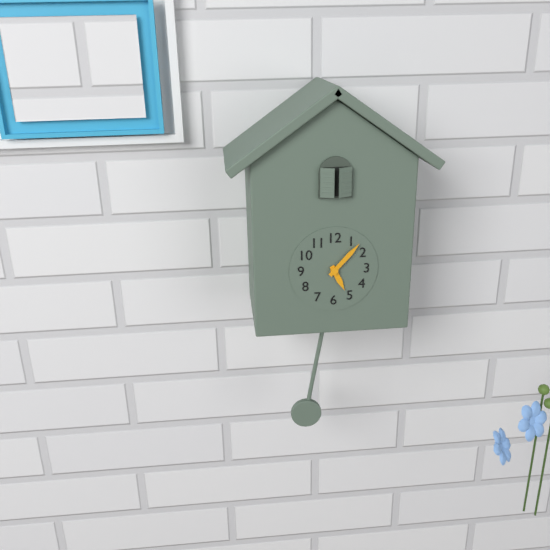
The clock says 5:07
